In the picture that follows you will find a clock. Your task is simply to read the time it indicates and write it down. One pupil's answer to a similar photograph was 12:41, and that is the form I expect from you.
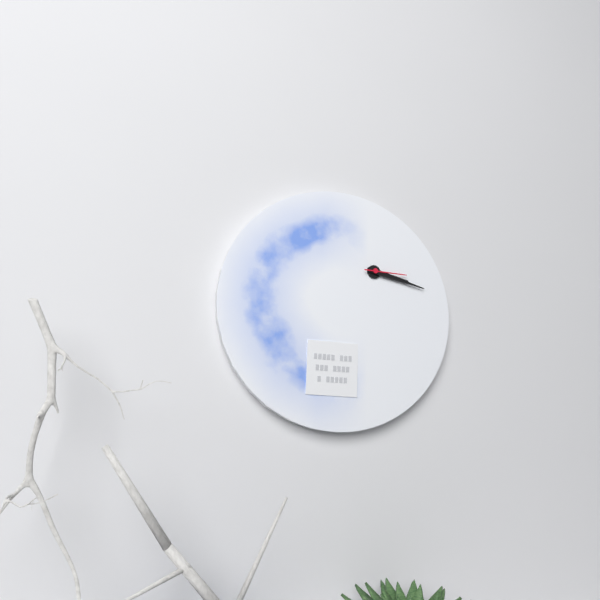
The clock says 3:17
